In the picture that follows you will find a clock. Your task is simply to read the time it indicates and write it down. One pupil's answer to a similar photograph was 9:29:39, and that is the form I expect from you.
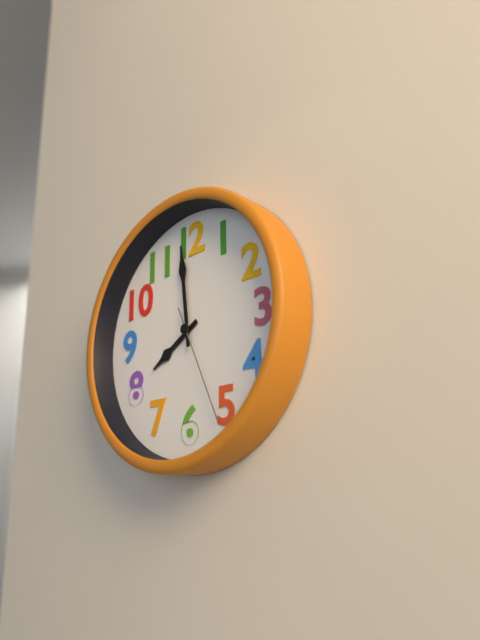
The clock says 7:59:26
